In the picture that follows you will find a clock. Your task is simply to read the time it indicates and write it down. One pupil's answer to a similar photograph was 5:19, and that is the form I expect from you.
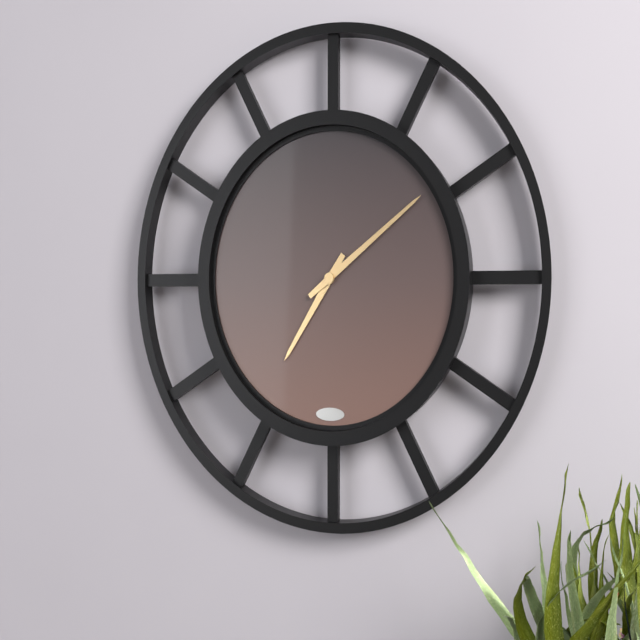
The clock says 7:09
